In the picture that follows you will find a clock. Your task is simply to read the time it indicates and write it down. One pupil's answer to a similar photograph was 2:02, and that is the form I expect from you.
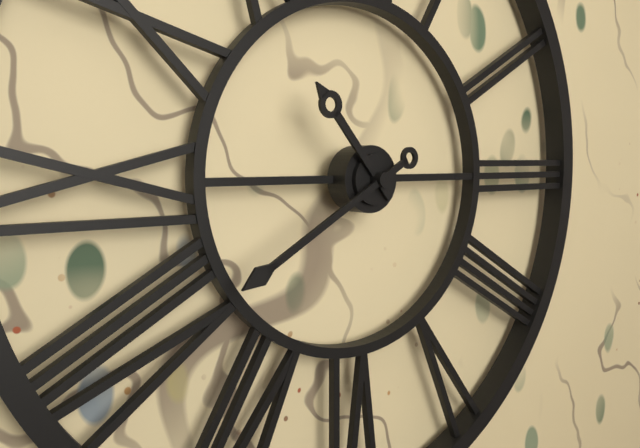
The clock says 10:40
